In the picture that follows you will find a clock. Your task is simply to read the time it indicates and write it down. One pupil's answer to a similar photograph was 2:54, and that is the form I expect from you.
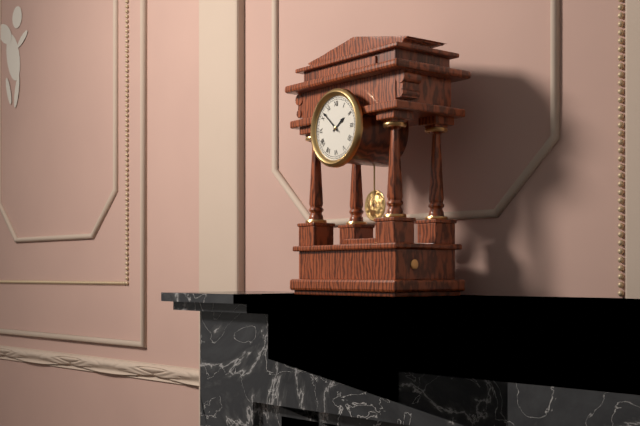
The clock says 1:52
